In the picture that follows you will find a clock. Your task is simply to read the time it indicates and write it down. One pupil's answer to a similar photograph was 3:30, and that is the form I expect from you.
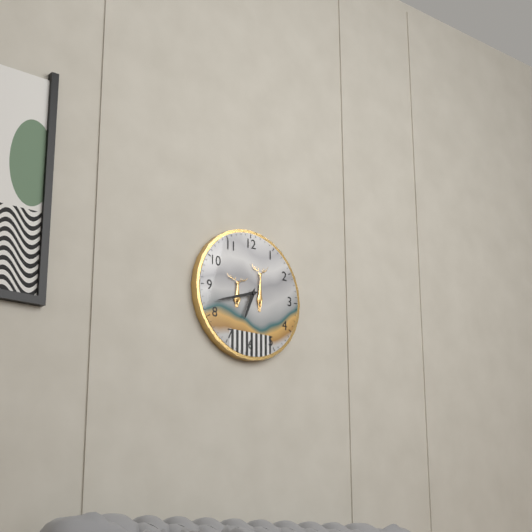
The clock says 6:42
